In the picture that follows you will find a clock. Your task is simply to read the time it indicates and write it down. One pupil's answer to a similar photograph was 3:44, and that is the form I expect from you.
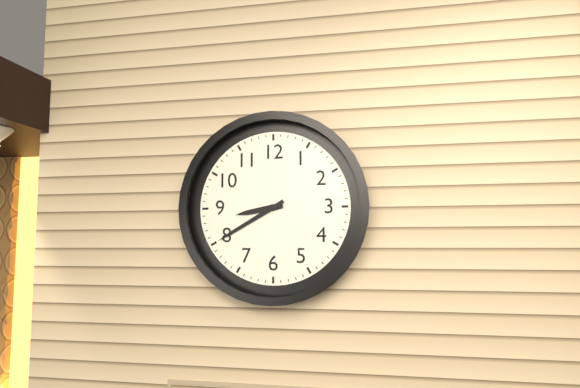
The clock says 8:40
